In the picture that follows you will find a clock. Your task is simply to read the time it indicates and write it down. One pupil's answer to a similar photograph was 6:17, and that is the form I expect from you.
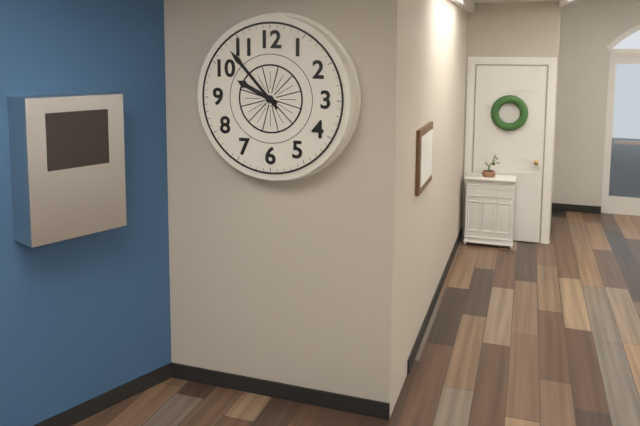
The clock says 9:53
